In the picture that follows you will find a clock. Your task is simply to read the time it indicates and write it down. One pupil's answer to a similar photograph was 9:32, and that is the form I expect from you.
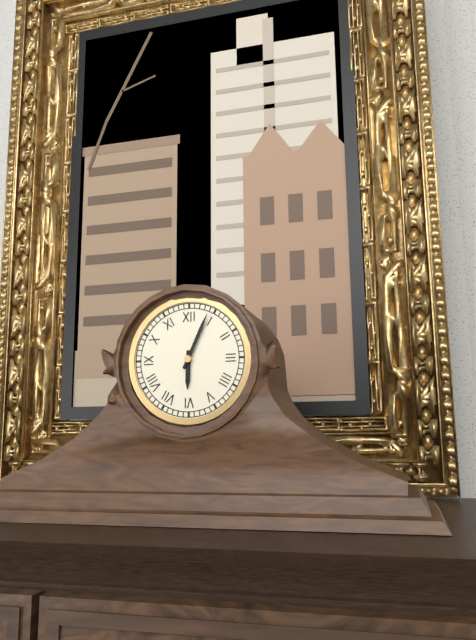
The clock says 6:04
